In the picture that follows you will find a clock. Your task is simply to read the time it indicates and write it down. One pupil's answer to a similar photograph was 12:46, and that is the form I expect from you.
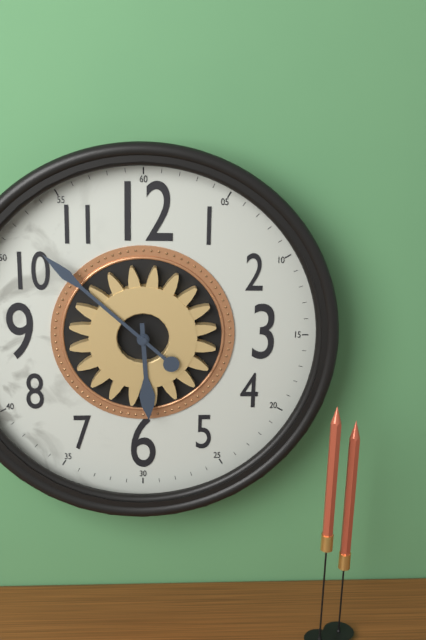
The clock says 5:52
